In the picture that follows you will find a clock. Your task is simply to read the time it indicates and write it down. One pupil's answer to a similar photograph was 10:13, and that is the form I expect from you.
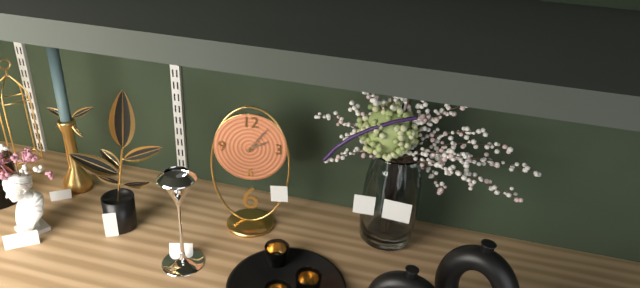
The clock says 2:06
